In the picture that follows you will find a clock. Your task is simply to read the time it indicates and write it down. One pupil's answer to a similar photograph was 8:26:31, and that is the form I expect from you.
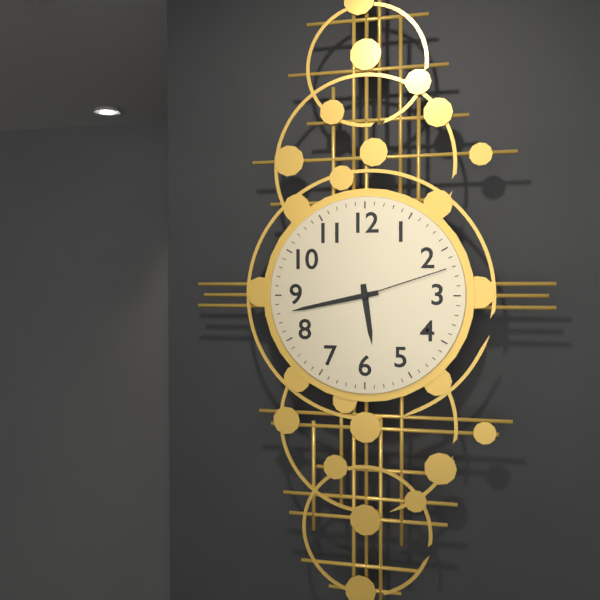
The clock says 5:43:12
